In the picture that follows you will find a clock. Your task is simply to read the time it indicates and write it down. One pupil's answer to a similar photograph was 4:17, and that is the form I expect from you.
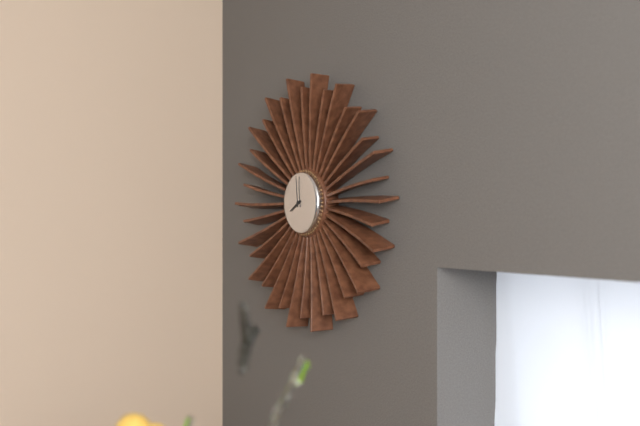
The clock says 7:59
